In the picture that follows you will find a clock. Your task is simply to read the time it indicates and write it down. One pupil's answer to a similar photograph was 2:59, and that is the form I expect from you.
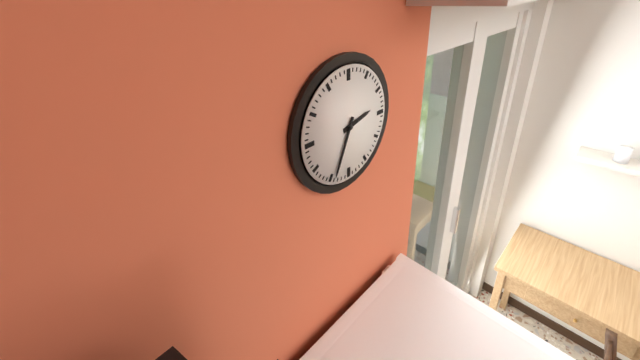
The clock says 2:34
